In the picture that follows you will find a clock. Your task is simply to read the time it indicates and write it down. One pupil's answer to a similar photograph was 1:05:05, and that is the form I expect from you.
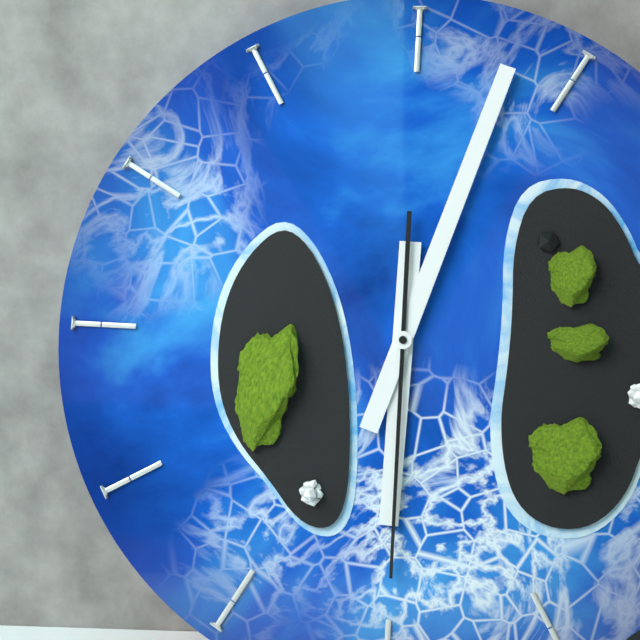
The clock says 6:03:30
